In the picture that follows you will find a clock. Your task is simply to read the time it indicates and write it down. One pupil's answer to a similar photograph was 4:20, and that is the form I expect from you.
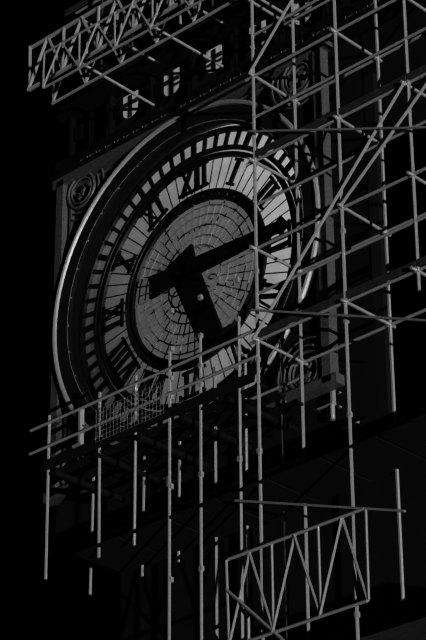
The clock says 5:15
